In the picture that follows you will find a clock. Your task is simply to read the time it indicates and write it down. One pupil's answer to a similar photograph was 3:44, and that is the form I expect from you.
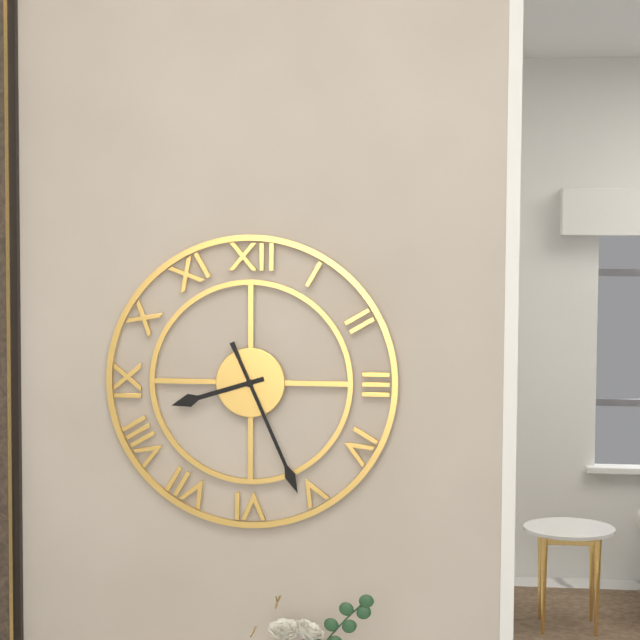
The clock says 8:26
